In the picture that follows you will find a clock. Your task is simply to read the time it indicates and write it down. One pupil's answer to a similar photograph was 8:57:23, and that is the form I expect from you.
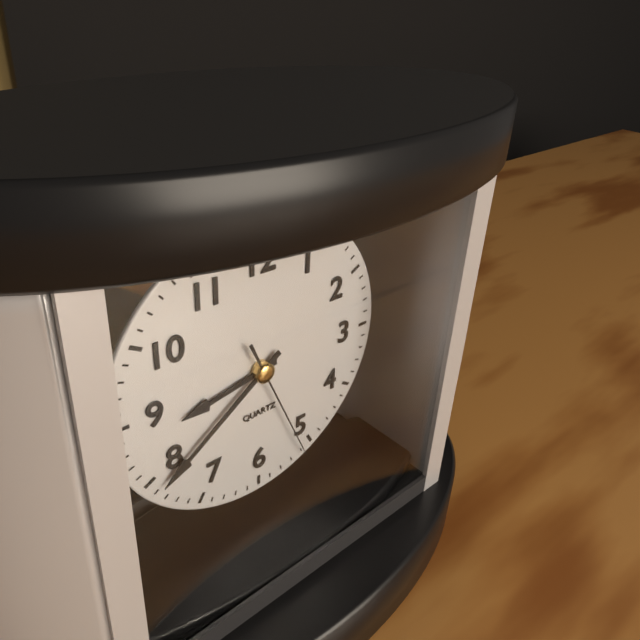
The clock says 8:39:26
